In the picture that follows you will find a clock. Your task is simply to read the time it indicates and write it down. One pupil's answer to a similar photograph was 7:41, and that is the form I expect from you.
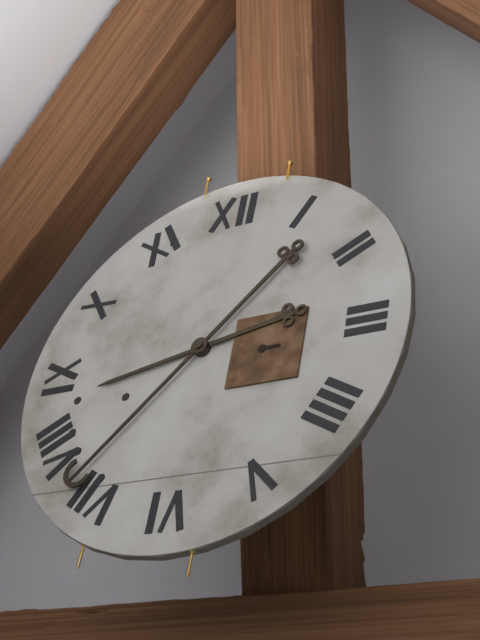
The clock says 8:37
